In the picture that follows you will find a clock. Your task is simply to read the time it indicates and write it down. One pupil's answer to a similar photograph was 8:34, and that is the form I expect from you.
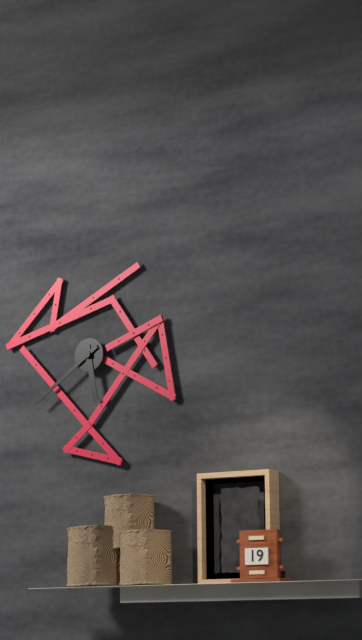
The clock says 5:39
